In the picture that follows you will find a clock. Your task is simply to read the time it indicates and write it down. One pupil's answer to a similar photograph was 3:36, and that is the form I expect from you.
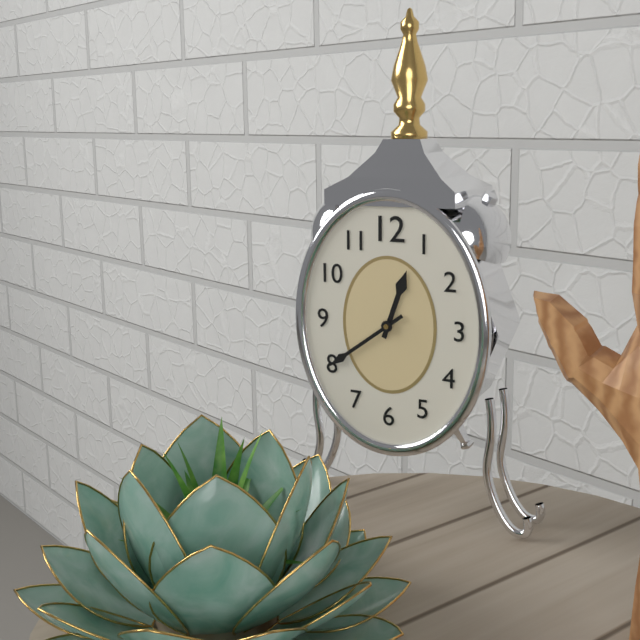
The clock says 12:39
